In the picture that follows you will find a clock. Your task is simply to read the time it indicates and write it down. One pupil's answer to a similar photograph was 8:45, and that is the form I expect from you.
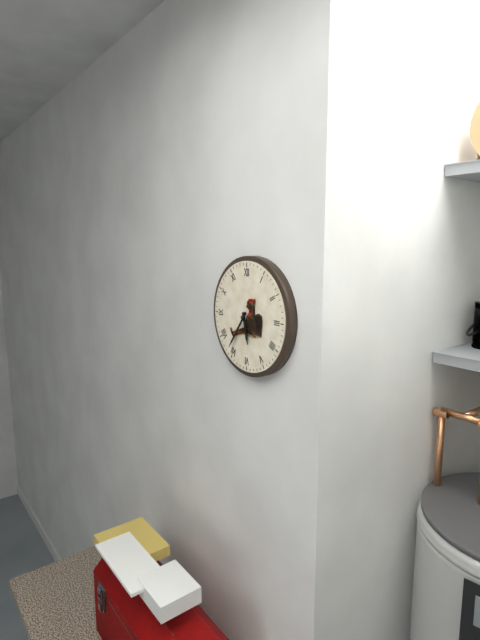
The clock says 5:36
